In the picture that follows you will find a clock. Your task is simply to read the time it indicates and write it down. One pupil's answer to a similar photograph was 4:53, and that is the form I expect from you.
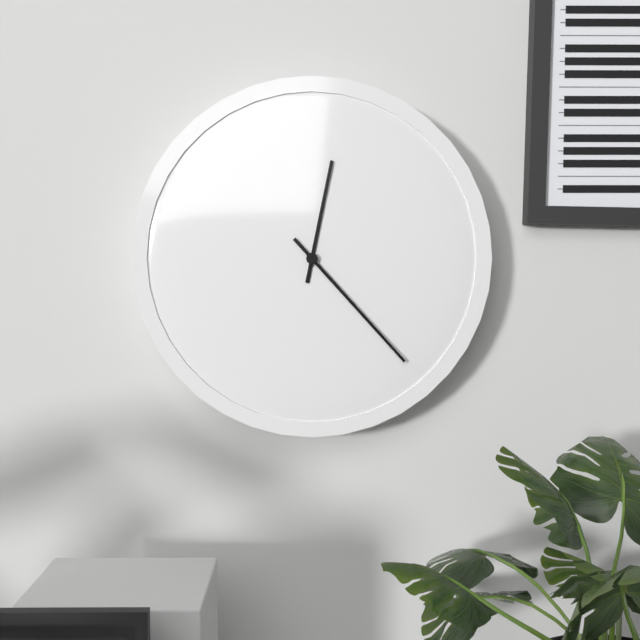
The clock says 12:23
